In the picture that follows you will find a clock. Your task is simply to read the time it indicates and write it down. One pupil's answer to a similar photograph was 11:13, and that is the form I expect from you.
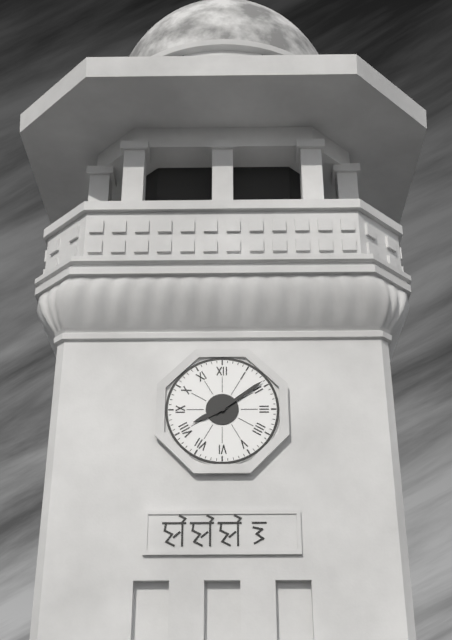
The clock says 8:09
